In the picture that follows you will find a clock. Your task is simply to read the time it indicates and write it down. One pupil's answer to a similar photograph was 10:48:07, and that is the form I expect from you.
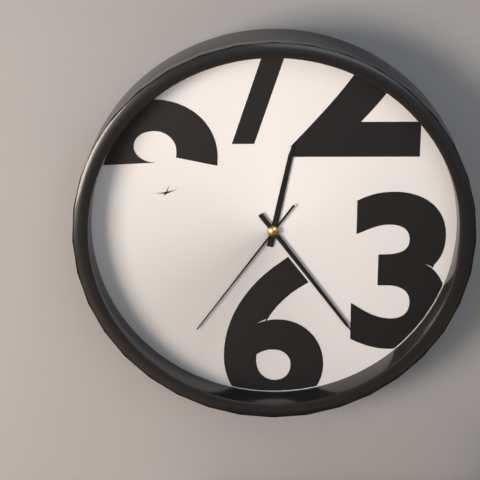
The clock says 12:24:36
